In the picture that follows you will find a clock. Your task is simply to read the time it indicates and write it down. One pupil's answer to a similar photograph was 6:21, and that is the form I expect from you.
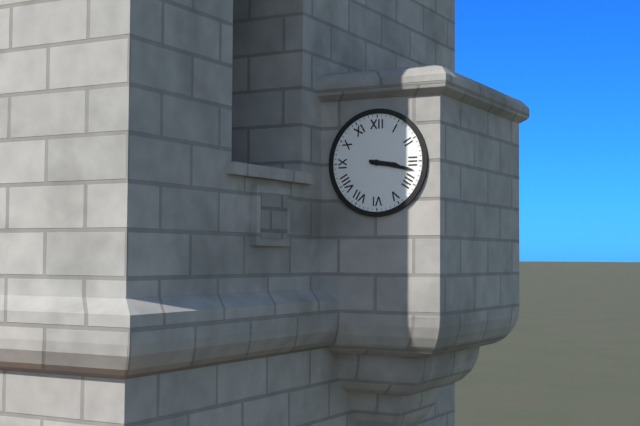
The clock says 3:17
